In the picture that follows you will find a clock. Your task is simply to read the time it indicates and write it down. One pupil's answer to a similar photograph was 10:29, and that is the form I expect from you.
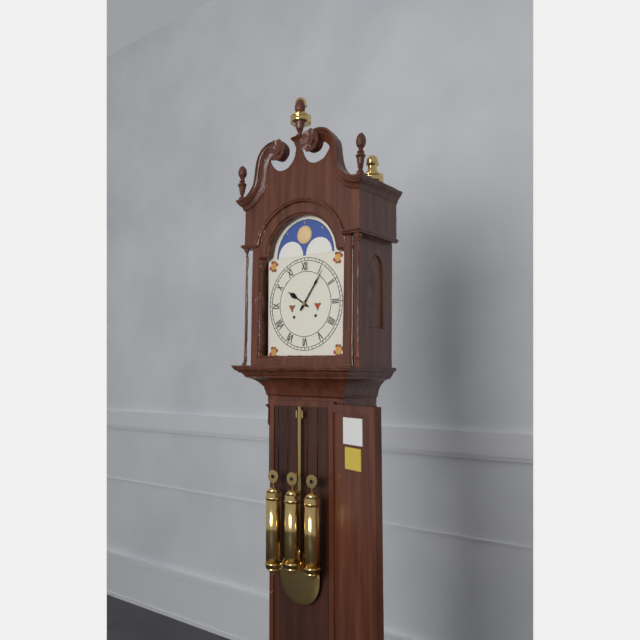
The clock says 10:06
